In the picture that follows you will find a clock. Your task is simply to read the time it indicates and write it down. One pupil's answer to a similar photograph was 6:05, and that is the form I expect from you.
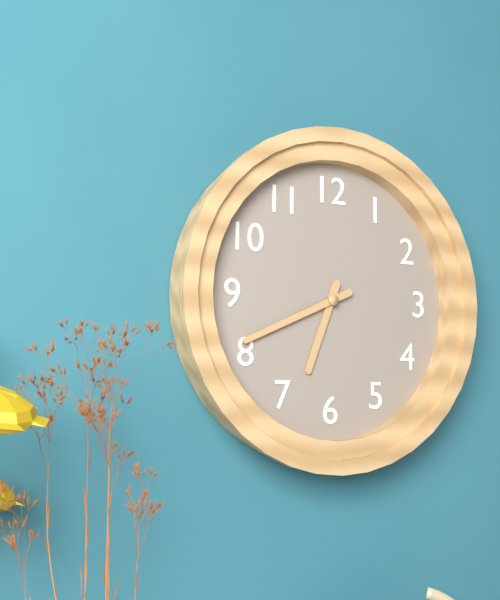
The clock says 6:41
